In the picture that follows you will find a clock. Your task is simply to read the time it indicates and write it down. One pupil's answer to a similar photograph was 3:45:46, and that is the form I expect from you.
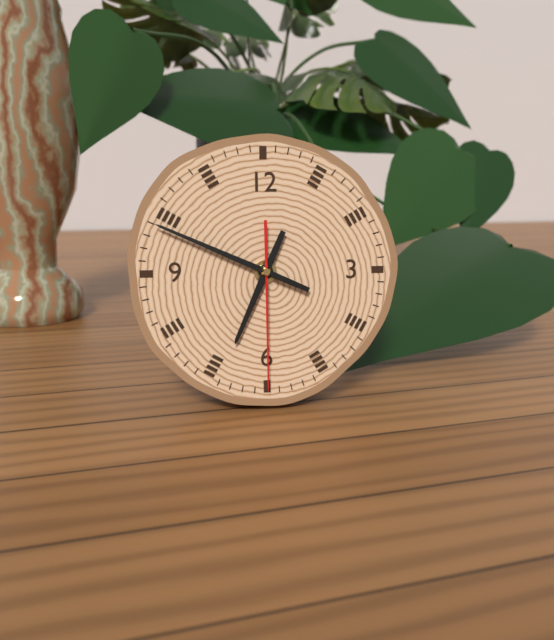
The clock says 6:49:30
